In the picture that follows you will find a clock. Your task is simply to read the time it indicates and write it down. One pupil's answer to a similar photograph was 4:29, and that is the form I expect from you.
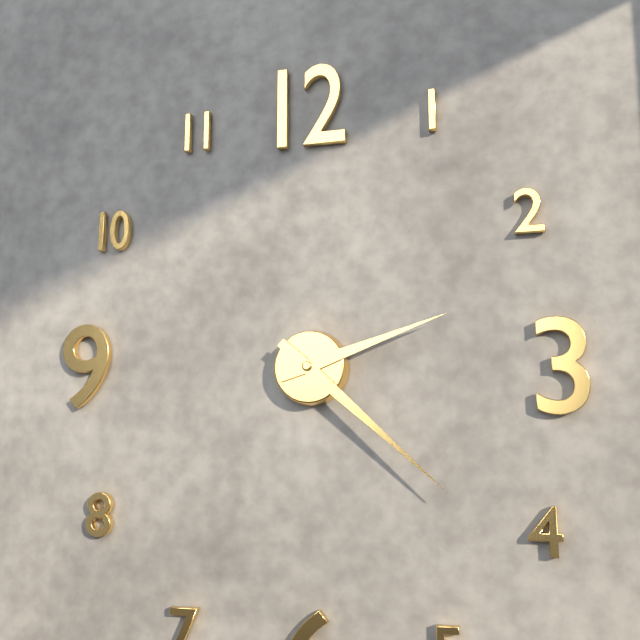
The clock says 2:22
